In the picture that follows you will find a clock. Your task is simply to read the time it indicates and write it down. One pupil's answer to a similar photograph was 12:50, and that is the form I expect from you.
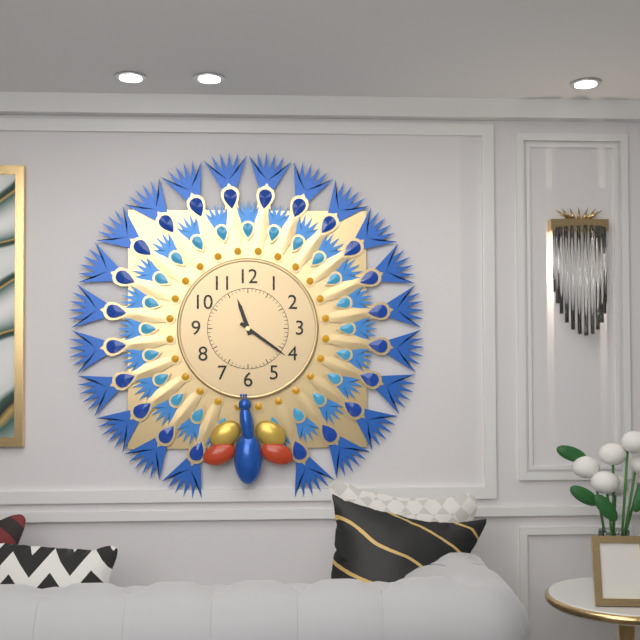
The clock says 11:21
